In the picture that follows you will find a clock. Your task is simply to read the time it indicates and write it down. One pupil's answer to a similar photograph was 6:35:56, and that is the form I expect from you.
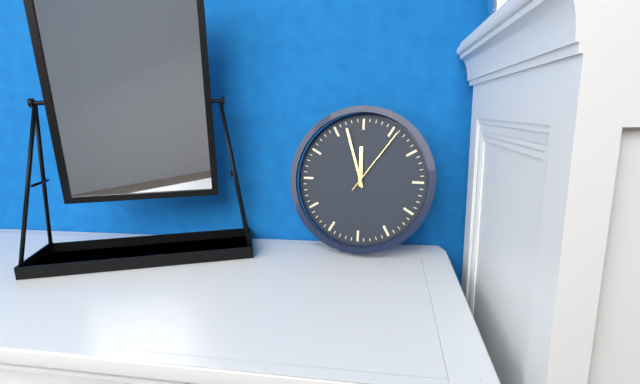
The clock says 11:57:06
